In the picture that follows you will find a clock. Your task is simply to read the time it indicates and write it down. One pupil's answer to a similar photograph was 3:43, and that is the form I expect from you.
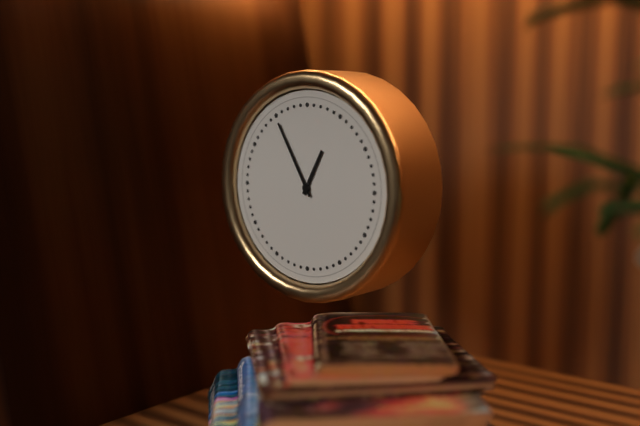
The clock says 12:55
